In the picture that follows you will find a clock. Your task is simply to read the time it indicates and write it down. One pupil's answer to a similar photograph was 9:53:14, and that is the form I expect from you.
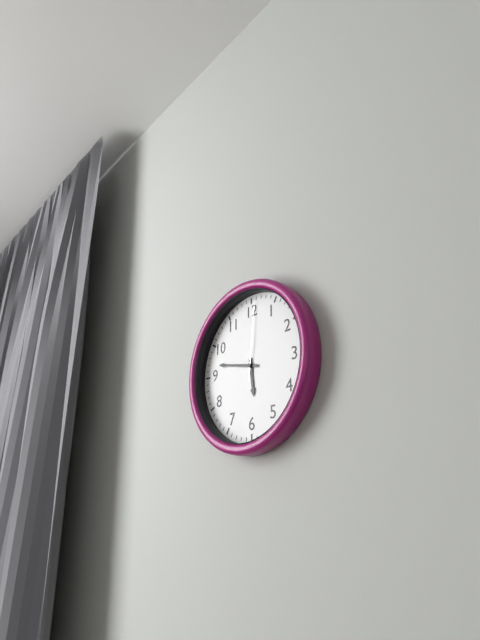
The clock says 5:47:01
